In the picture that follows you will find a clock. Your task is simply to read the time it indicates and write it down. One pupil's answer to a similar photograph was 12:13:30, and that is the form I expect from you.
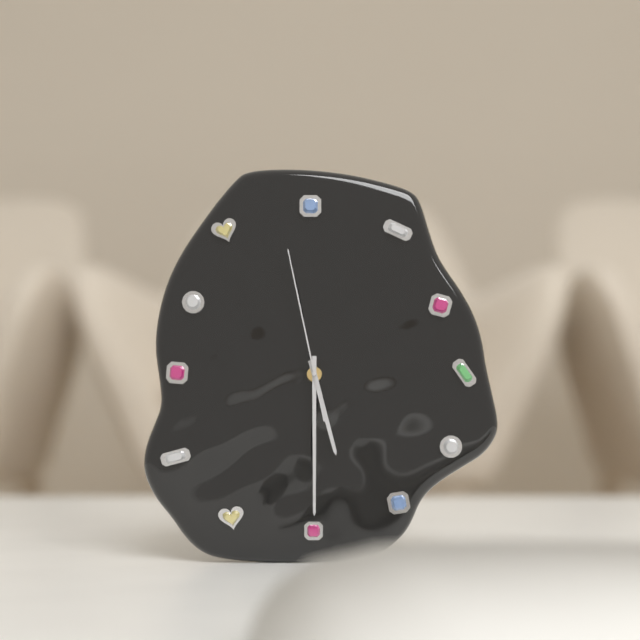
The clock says 5:30:58
